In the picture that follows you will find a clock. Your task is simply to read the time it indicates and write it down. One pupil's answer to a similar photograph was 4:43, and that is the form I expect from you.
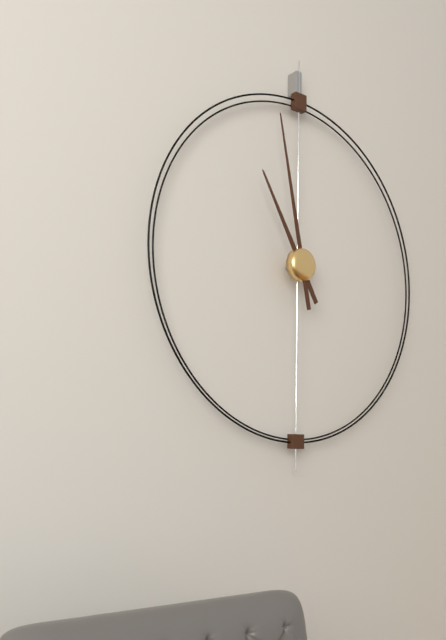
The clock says 10:58
